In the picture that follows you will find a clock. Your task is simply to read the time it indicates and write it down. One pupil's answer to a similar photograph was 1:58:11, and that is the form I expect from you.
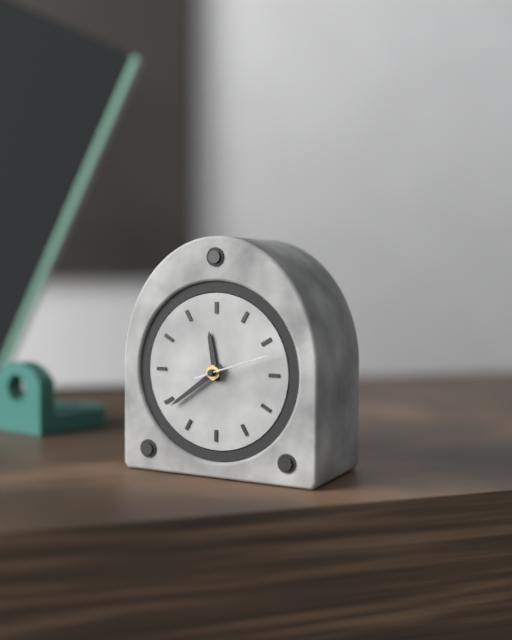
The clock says 11:39:12
